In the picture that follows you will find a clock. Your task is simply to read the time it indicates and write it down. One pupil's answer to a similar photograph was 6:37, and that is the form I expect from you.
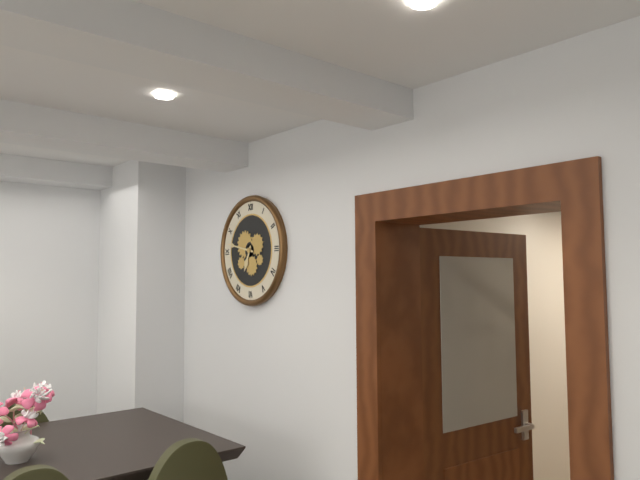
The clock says 6:47
